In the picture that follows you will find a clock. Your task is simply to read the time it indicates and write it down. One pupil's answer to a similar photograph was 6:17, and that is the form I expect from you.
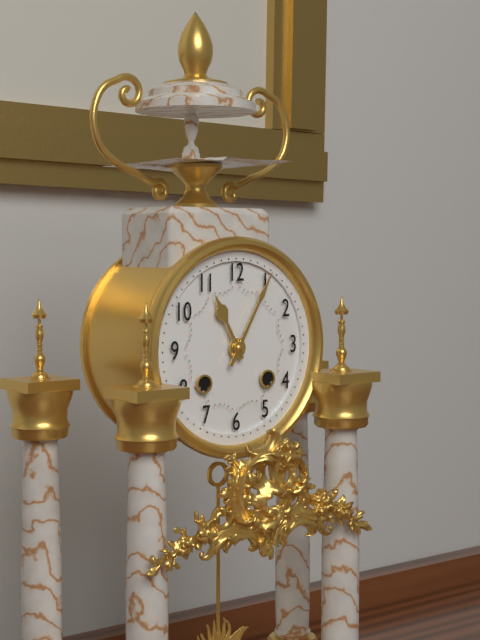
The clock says 11:05
